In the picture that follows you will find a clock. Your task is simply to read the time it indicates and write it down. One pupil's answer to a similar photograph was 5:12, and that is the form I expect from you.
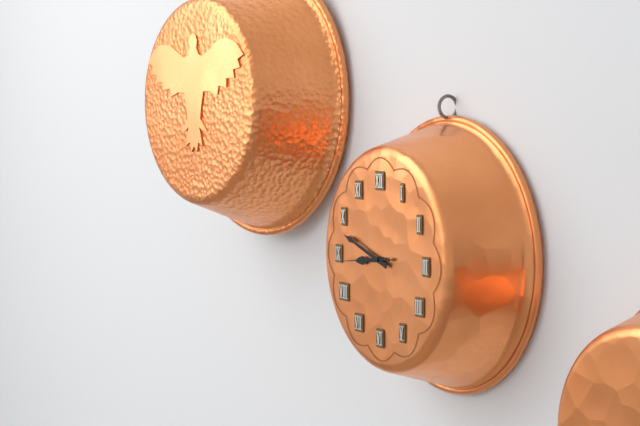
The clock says 8:48
